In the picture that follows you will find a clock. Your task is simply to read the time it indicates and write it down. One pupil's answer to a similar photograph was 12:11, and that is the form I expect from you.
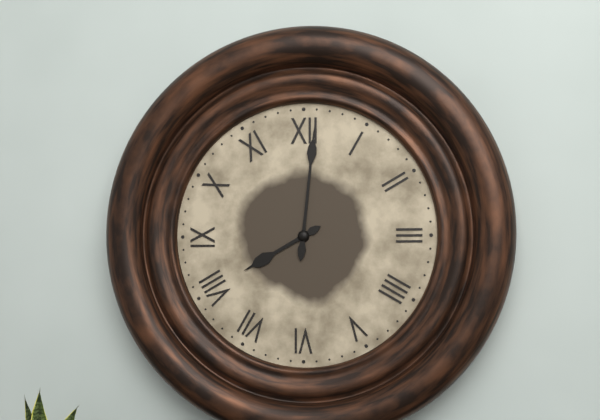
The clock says 8:01
